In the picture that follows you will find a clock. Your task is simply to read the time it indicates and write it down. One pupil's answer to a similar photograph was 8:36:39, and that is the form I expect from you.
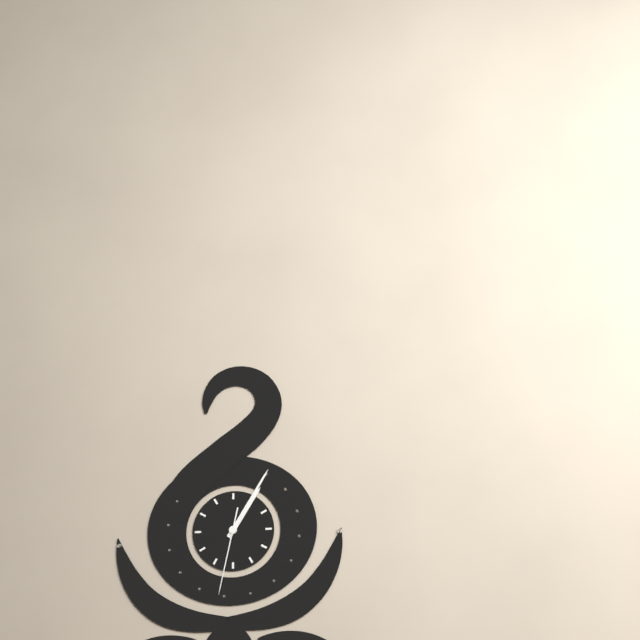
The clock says 1:05:32
